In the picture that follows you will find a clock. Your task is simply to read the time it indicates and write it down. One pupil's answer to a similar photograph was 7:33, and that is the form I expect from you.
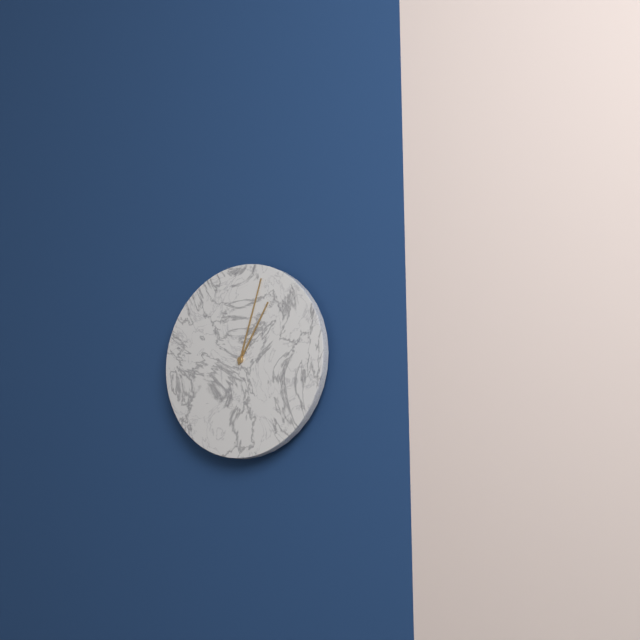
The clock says 1:03
